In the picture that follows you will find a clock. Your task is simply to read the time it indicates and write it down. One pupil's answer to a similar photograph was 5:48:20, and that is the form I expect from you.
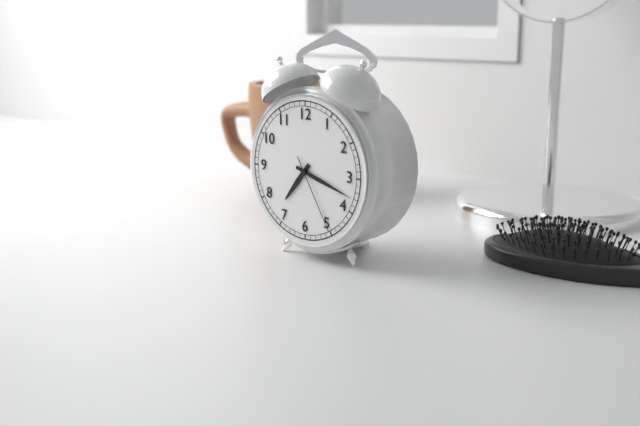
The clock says 7:18:25
